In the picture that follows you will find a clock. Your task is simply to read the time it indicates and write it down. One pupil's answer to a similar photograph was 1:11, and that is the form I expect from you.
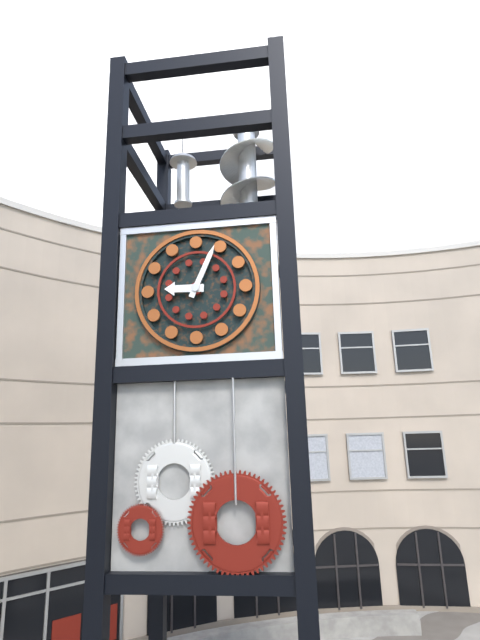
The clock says 9:04
